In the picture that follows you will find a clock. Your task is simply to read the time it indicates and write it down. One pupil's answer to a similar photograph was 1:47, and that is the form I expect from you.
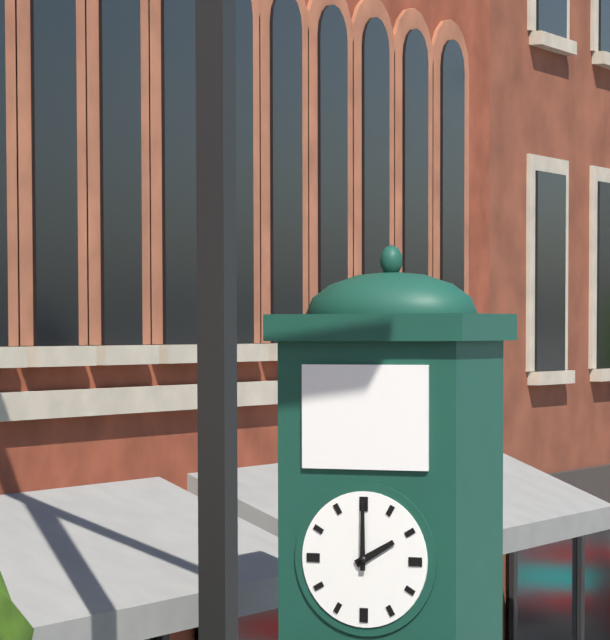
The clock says 2:00
